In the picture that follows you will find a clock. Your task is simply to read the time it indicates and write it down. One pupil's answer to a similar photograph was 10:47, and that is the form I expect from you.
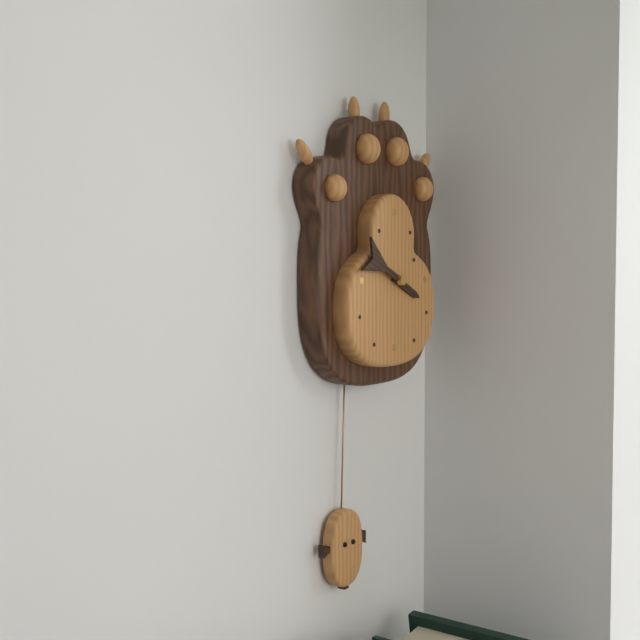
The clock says 3:49
